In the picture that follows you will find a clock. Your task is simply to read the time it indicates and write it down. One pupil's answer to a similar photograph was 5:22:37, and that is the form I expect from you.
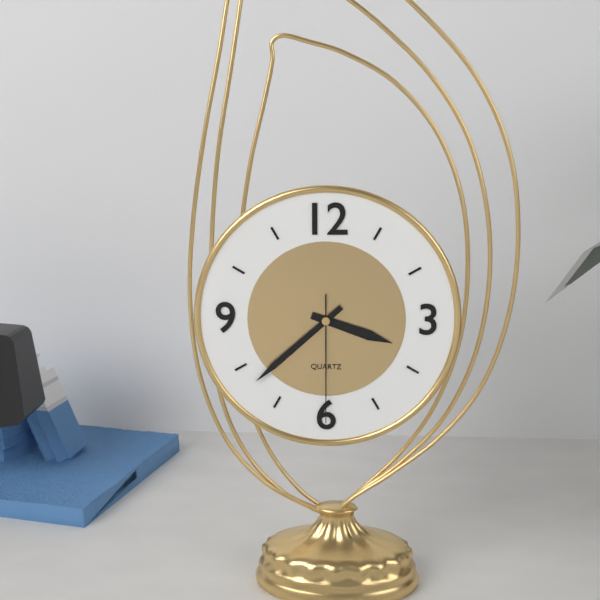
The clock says 3:38:30
